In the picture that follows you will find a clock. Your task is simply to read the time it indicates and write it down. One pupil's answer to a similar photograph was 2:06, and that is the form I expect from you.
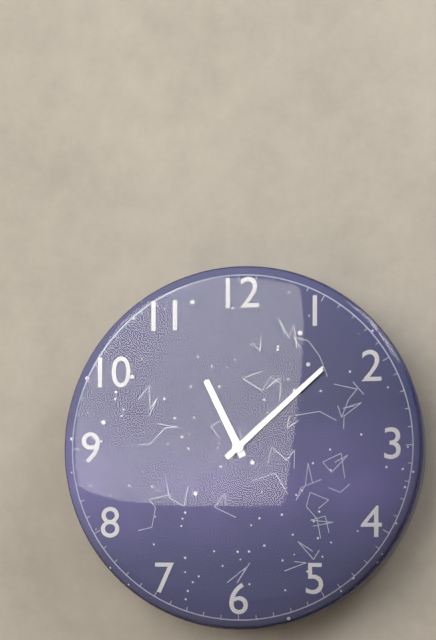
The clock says 11:08
